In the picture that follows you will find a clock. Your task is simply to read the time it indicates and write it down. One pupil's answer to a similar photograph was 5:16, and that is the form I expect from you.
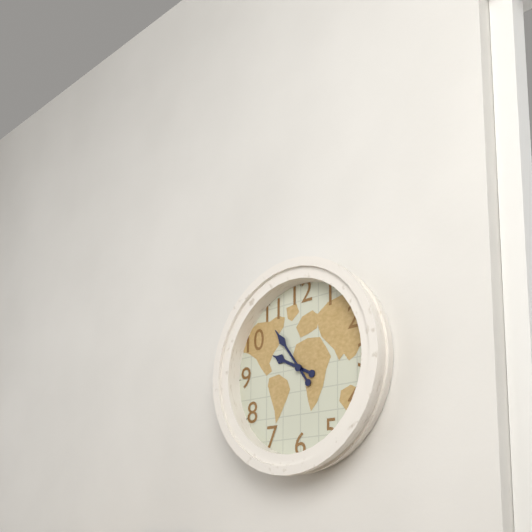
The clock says 9:54
